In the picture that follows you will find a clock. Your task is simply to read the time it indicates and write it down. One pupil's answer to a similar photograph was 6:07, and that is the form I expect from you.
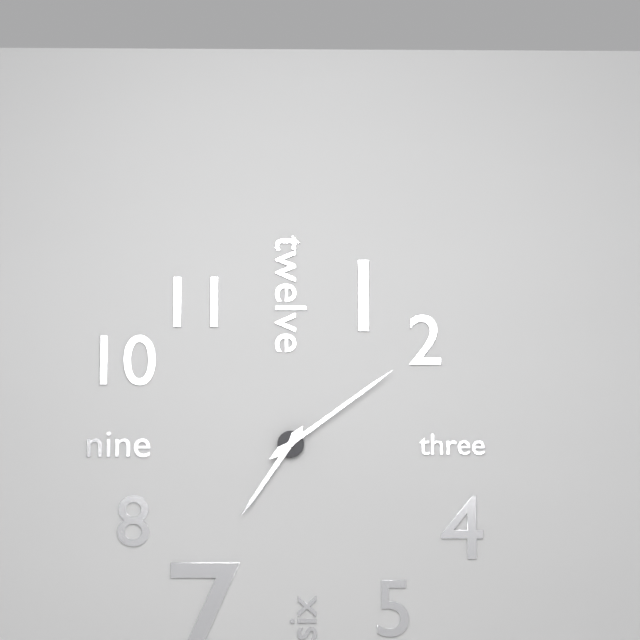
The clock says 7:09
